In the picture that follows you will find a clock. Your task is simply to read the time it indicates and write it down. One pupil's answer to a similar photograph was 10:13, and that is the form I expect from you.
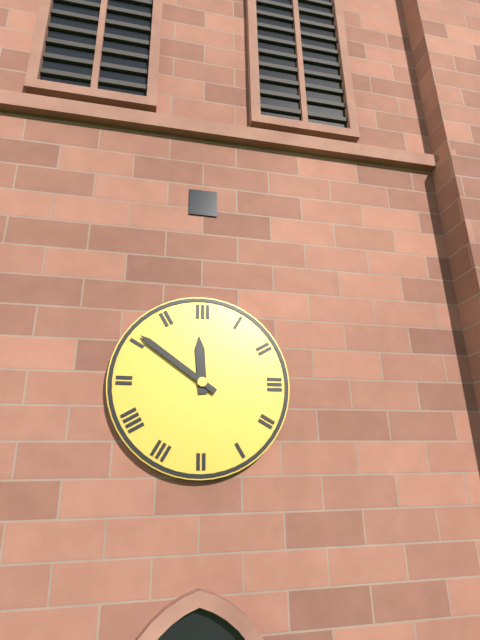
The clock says 11:51
